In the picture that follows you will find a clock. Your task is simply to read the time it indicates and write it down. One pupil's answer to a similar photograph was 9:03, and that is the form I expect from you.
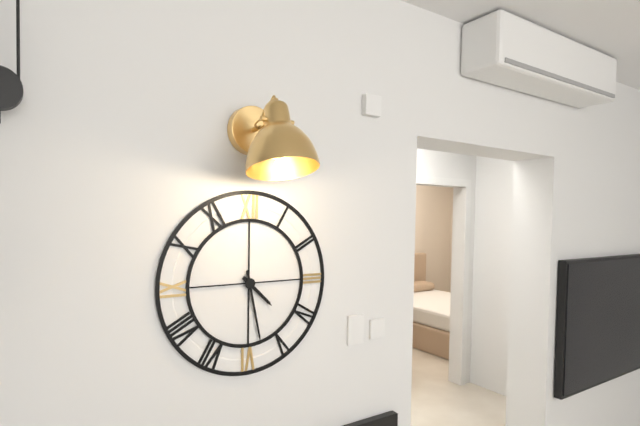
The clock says 4:28
